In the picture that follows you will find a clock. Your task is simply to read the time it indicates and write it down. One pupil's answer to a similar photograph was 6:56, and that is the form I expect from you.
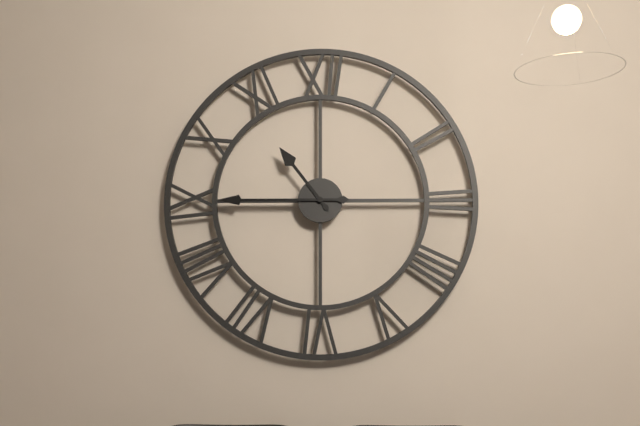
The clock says 10:45
